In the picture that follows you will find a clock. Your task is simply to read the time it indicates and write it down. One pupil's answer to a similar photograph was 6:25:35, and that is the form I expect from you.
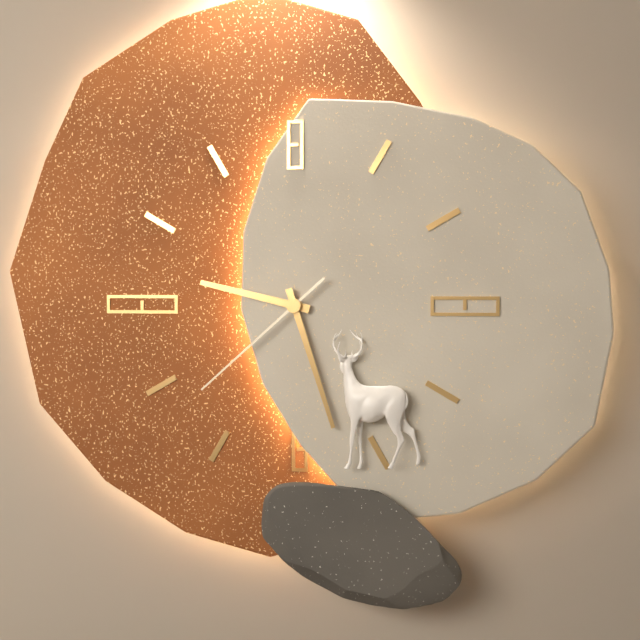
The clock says 9:27:38
